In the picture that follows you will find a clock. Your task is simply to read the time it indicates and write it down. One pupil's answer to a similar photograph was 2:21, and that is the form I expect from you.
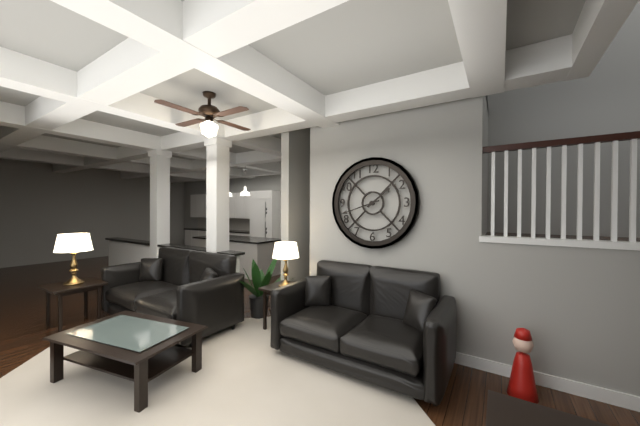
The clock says 1:42
